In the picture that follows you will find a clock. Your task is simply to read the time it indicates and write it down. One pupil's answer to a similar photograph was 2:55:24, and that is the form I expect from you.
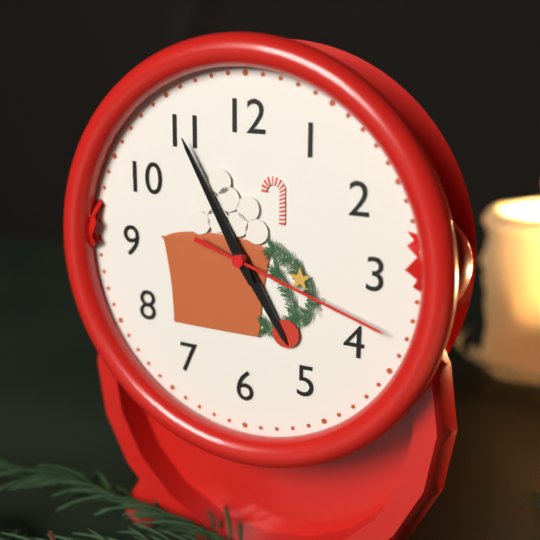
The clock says 4:55:18
